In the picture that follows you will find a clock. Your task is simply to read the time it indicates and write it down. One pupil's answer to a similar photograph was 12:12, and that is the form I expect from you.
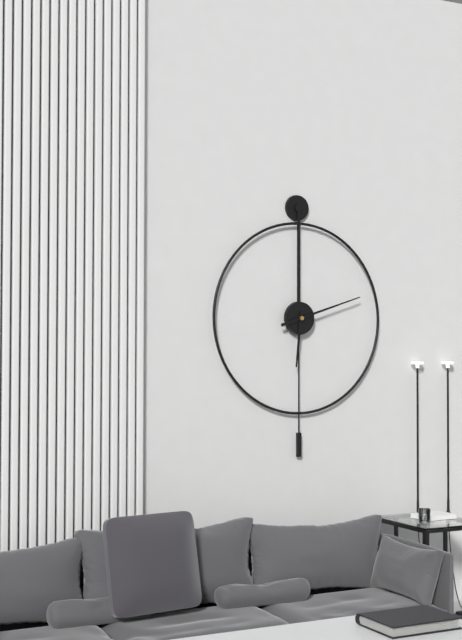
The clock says 6:12
